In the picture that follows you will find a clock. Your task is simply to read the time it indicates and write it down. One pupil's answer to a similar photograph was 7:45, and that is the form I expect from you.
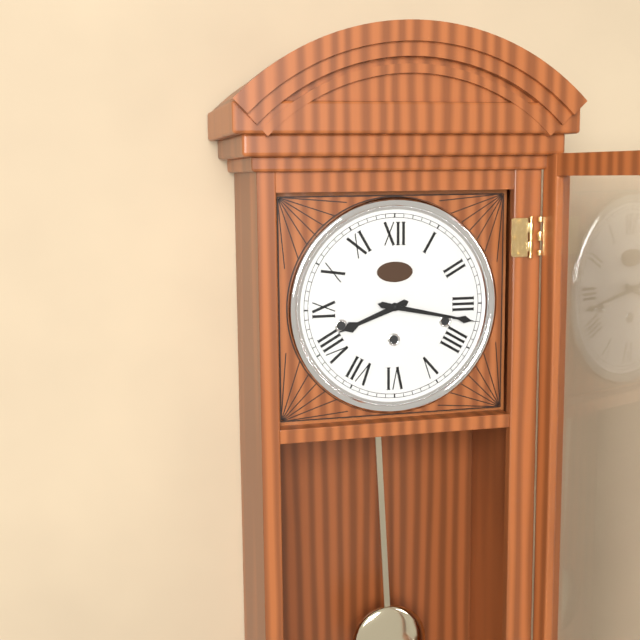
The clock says 8:17
